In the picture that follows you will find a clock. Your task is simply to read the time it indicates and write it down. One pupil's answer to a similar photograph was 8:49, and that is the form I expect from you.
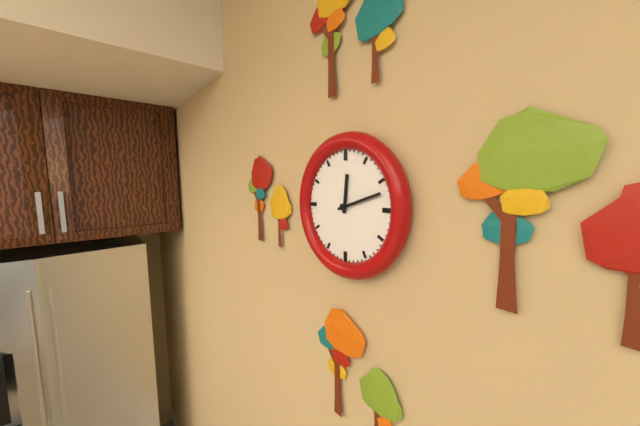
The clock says 12:12
